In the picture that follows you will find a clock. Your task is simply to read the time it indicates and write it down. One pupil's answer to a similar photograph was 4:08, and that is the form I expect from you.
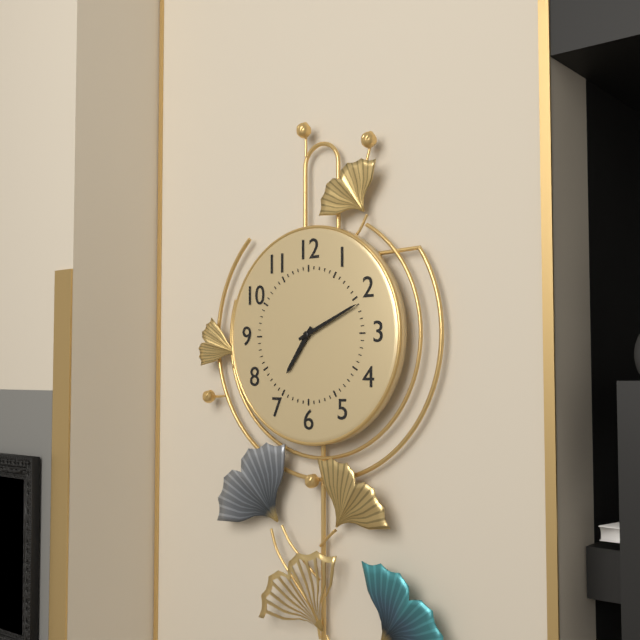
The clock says 7:11
